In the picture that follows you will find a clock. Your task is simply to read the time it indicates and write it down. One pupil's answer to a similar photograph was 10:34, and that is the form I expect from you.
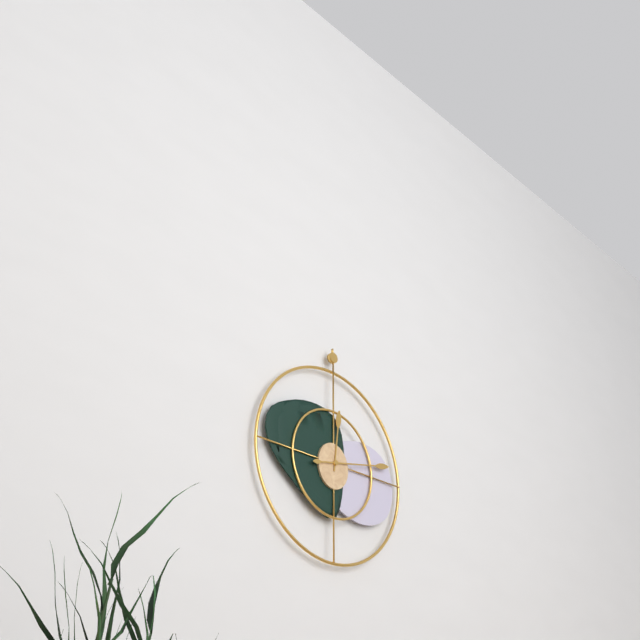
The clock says 12:13
